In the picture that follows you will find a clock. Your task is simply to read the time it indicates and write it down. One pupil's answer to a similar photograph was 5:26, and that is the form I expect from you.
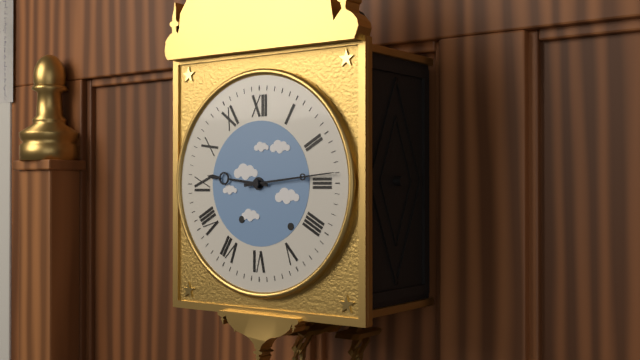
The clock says 9:14
